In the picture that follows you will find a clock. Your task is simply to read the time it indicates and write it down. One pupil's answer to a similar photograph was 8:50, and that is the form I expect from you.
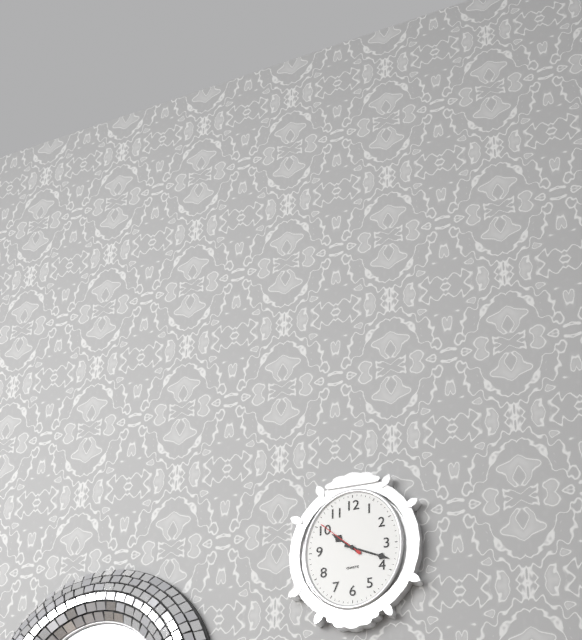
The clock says 10:19
